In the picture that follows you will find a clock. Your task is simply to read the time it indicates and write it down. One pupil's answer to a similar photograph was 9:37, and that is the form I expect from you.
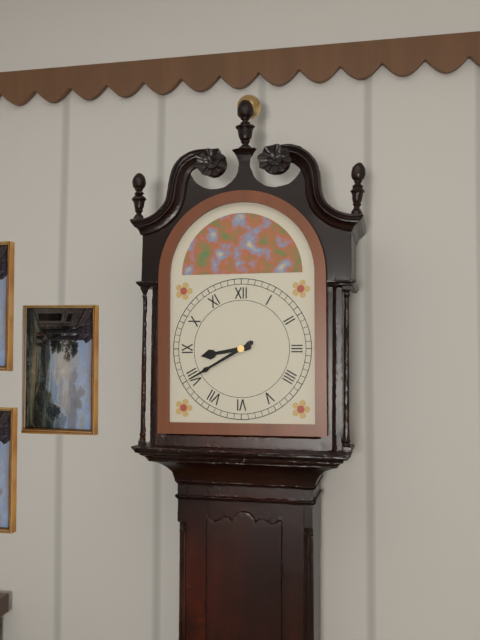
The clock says 8:40
